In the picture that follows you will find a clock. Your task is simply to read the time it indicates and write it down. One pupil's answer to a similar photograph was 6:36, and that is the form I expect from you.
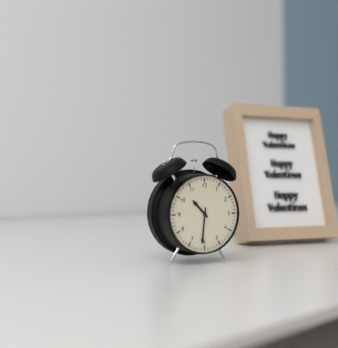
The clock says 10:31
